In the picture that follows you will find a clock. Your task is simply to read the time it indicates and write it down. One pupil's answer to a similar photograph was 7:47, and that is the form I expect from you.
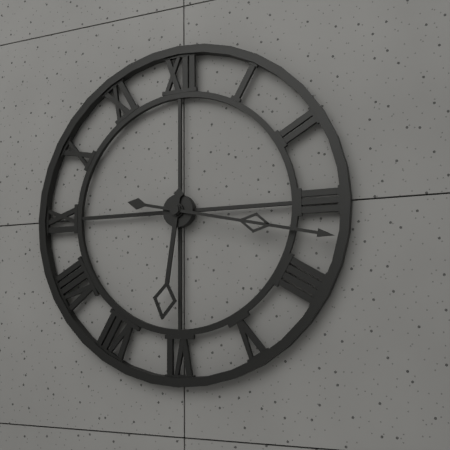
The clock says 6:17
